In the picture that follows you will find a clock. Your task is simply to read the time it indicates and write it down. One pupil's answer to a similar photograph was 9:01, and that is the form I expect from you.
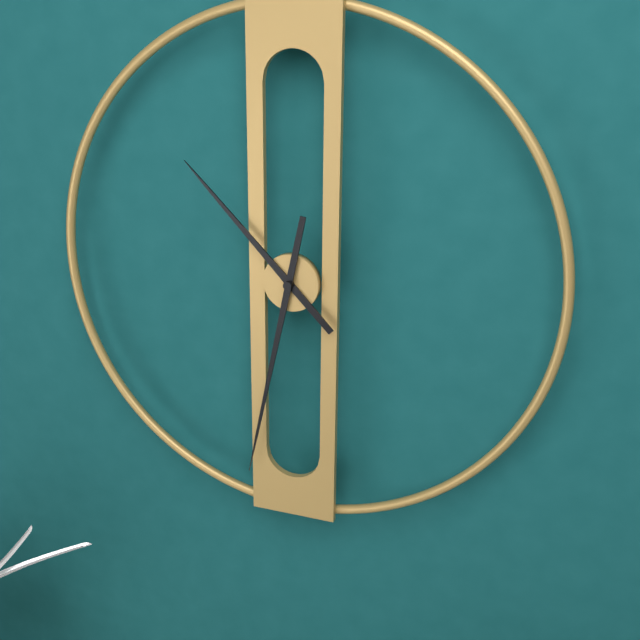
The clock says 10:32
